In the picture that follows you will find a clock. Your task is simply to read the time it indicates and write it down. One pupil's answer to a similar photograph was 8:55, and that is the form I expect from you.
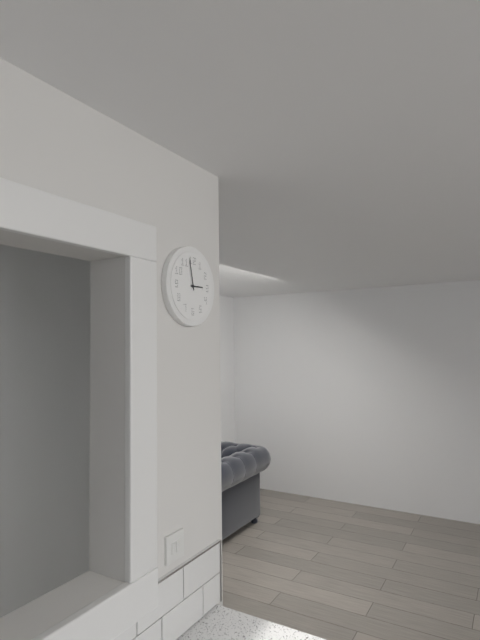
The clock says 2:58
